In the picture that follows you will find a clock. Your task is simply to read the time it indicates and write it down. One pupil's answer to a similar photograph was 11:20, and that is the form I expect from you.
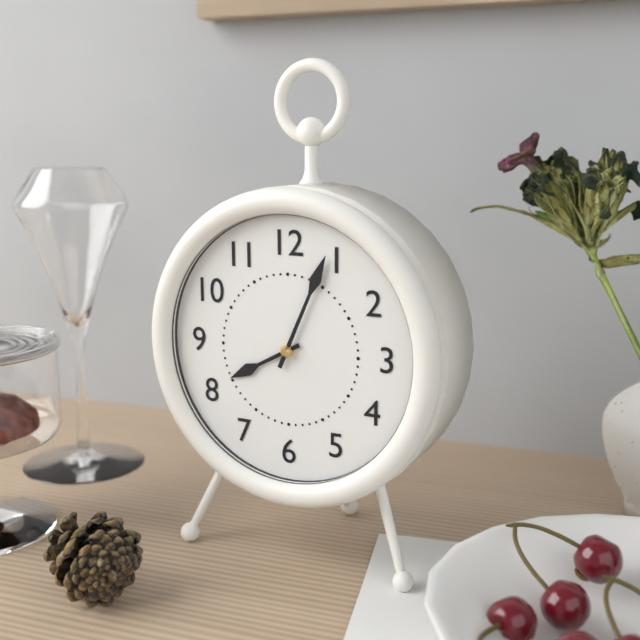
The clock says 8:04
